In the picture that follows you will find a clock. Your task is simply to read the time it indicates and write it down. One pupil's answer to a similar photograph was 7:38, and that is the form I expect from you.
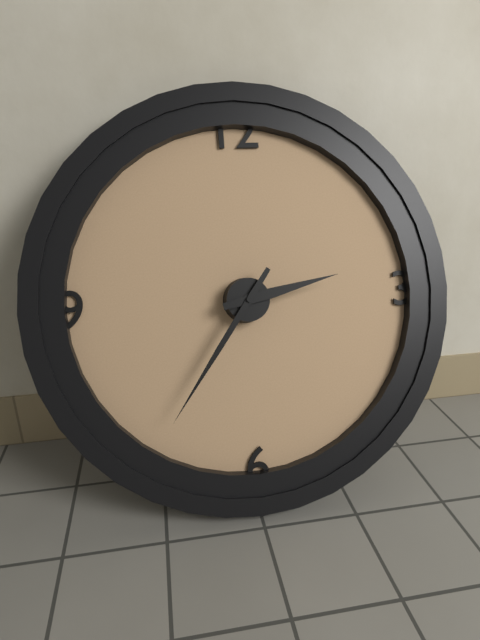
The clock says 2:36
